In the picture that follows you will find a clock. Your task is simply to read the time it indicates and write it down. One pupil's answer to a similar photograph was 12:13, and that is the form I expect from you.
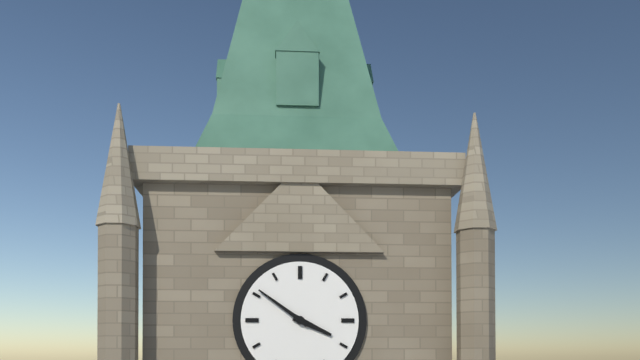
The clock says 3:51
